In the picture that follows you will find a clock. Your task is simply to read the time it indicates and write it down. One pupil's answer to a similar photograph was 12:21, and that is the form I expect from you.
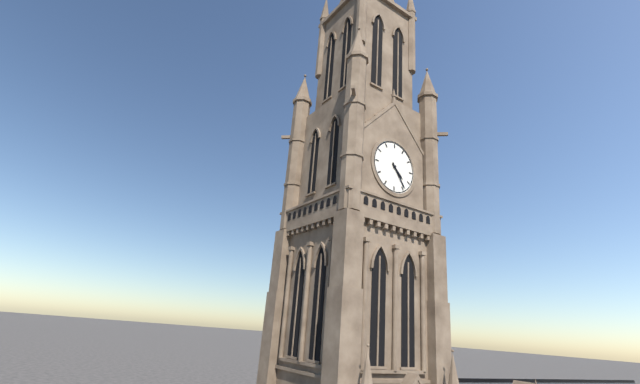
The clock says 4:24
